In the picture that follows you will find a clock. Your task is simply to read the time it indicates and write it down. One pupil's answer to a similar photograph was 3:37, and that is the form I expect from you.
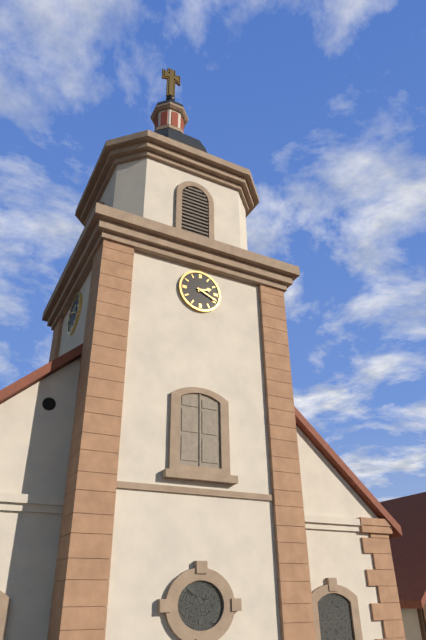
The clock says 2:19
